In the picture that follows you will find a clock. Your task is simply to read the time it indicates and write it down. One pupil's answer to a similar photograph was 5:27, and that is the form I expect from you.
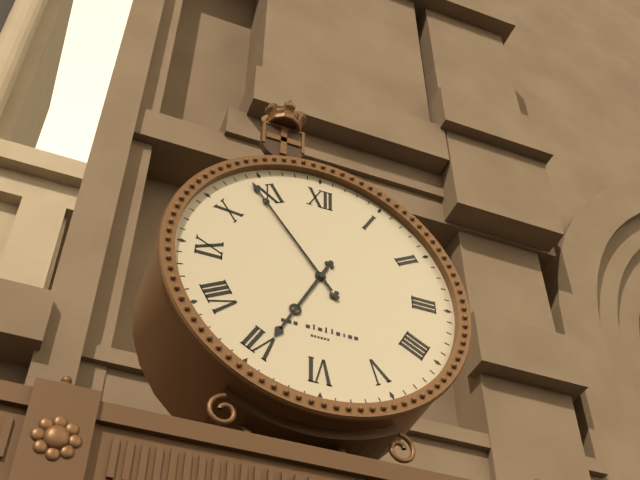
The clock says 6:54
